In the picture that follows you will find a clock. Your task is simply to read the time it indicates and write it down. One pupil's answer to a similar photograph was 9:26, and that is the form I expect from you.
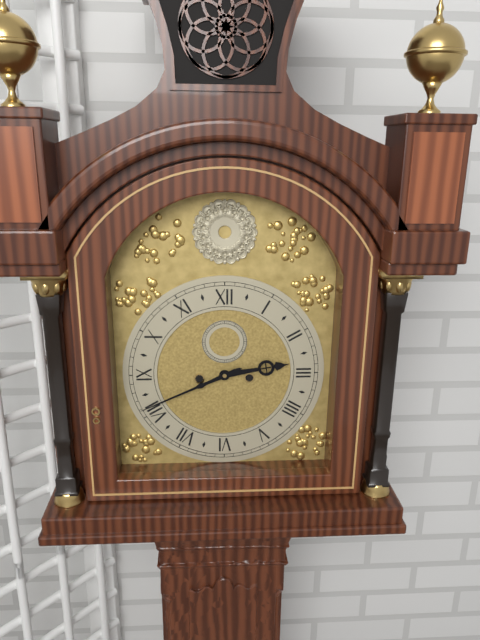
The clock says 2:41
